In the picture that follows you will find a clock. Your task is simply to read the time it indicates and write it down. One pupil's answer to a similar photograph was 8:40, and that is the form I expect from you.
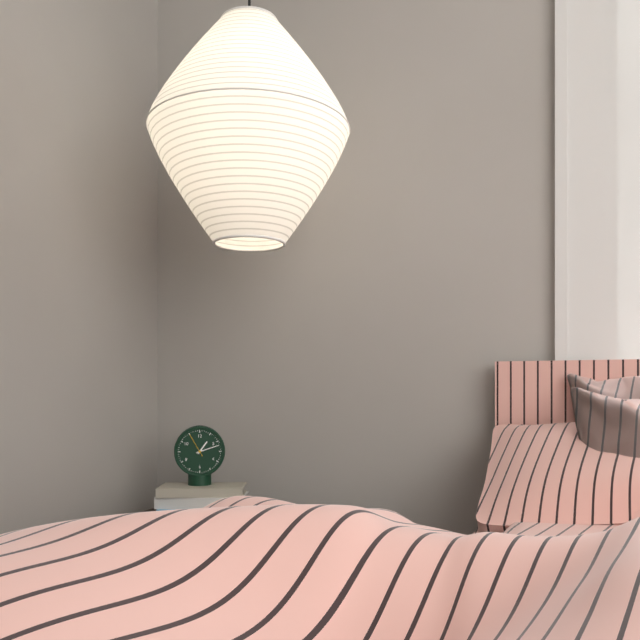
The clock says 1:12
